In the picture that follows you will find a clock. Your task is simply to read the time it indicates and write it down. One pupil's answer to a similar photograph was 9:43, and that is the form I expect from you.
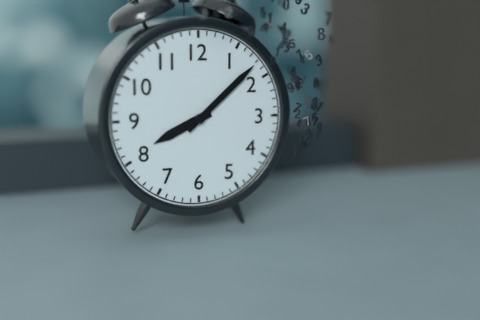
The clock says 8:08
